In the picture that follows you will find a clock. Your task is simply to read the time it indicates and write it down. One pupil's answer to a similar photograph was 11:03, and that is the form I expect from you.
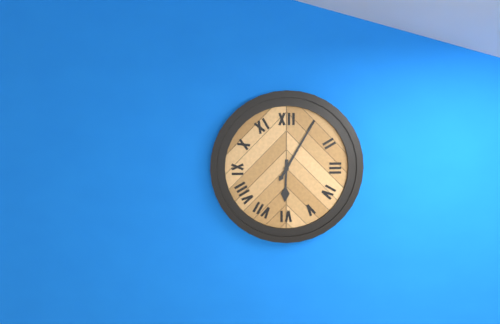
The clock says 6:05
